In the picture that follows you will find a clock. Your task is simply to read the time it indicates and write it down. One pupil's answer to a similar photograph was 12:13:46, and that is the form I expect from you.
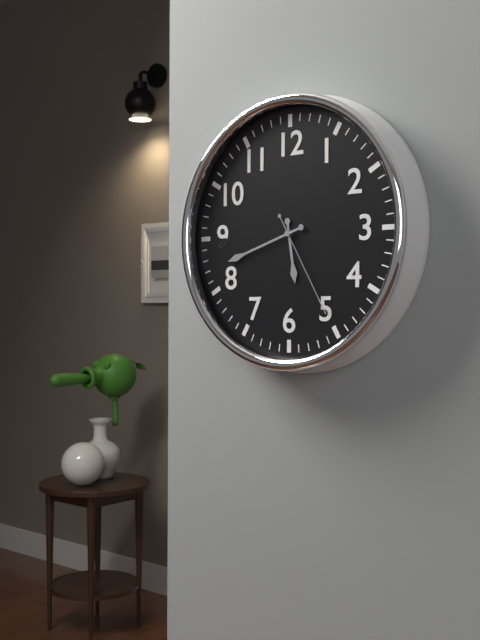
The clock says 5:42:25
